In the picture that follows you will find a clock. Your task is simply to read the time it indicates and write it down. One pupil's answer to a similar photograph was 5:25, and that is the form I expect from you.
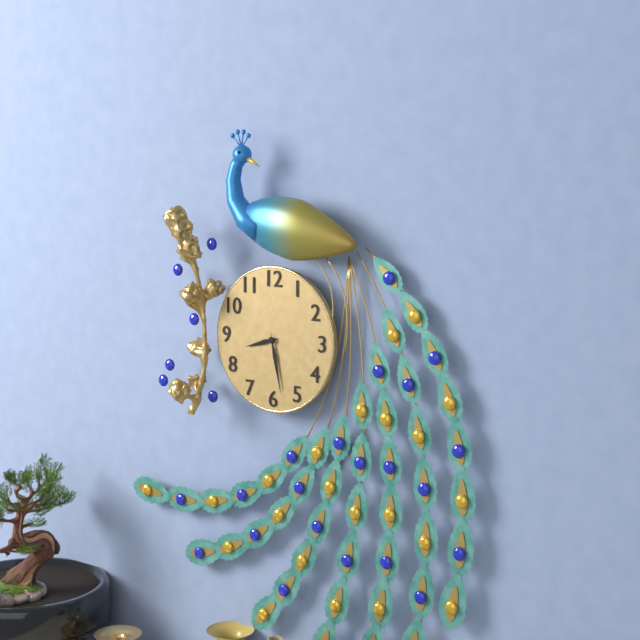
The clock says 8:28
